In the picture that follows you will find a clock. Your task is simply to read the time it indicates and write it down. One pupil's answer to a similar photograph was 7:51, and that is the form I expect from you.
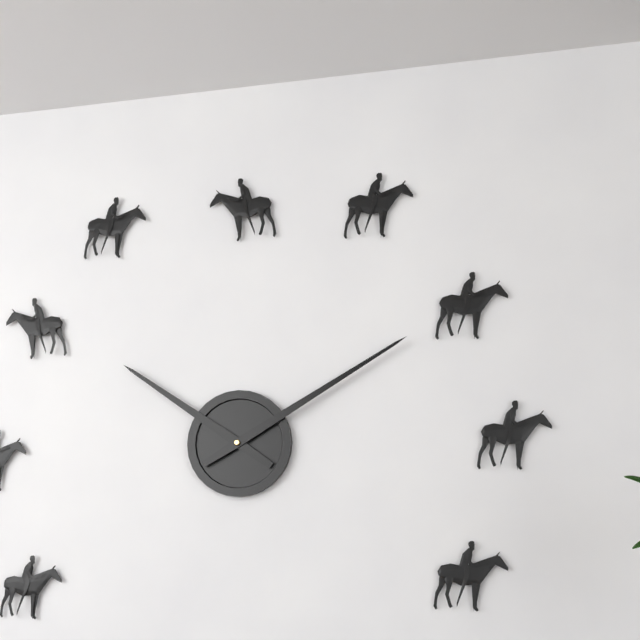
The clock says 10:10
